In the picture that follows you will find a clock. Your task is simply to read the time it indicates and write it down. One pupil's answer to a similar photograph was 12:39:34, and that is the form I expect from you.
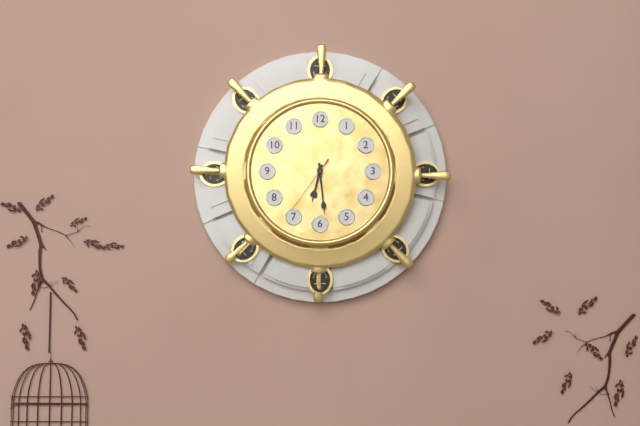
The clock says 6:29:36
